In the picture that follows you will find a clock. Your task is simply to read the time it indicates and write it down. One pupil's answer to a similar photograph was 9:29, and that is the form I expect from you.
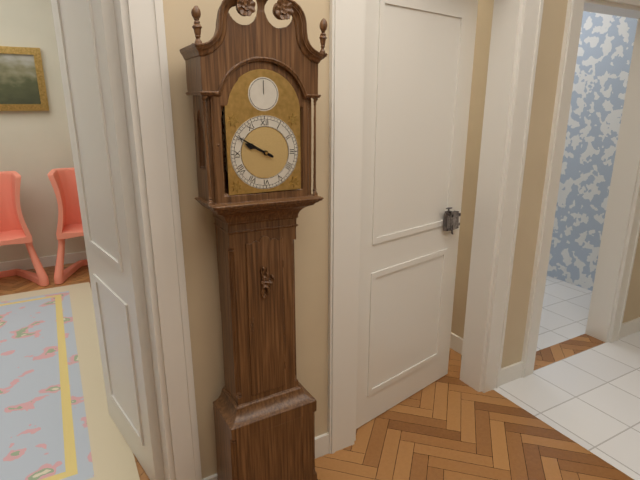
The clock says 9:50
